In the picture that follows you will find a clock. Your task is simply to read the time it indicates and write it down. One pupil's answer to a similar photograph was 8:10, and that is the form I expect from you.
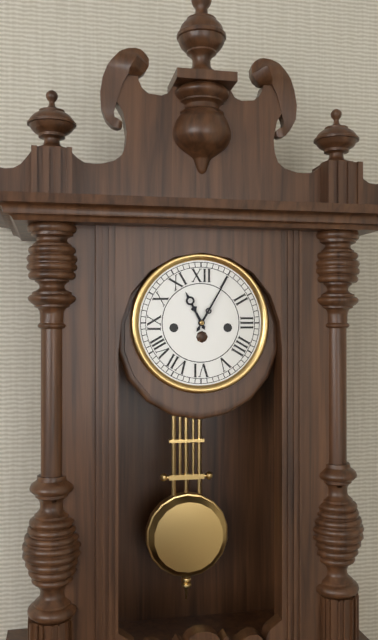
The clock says 11:05
